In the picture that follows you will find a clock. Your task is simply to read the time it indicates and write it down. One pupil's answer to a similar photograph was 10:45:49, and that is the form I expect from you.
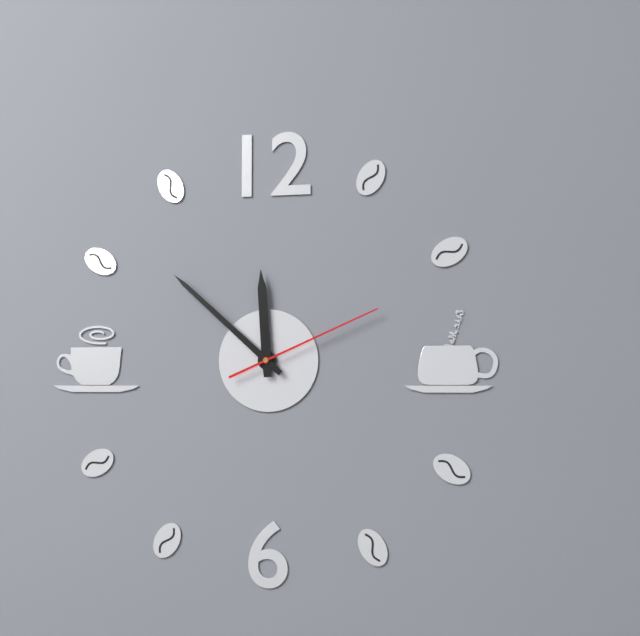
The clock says 11:52:11
